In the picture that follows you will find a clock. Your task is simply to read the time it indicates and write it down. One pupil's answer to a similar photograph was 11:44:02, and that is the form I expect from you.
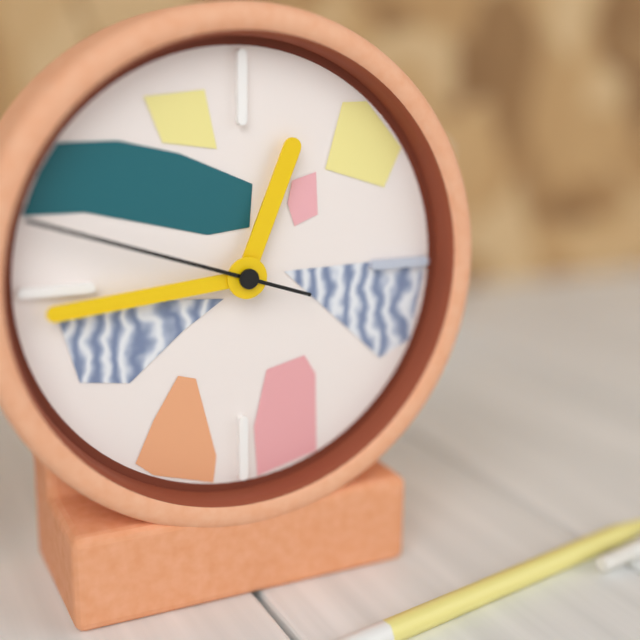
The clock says 12:44:48
